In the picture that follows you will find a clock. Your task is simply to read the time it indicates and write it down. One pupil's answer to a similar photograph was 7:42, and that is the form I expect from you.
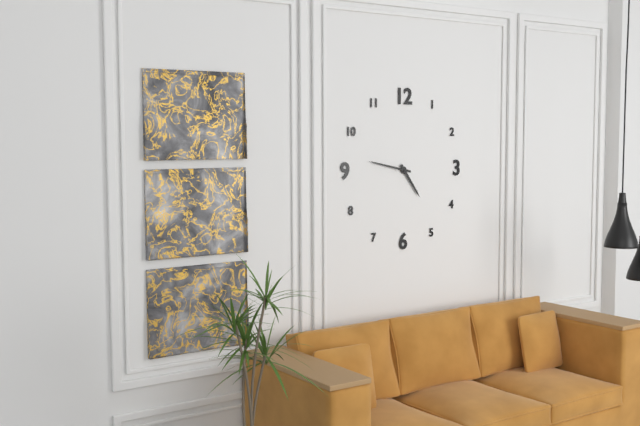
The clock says 4:47
